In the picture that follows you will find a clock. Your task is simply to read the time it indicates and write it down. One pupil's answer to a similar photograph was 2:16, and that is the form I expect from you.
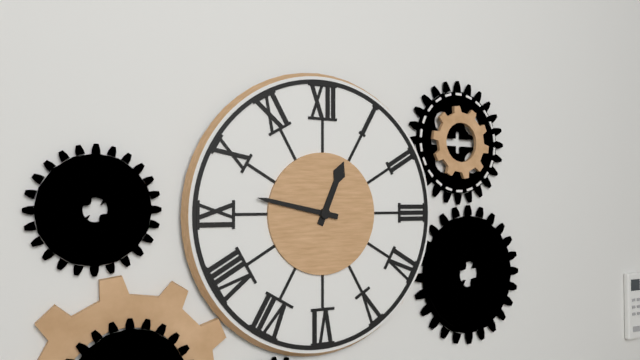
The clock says 12:47
